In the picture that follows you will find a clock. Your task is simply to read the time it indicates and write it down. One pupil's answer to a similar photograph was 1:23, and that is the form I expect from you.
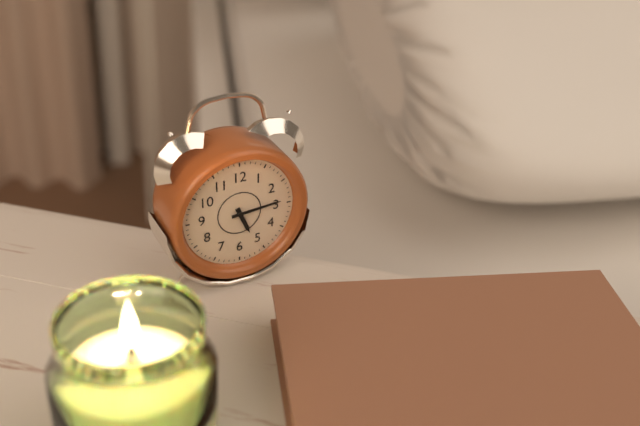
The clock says 5:14
